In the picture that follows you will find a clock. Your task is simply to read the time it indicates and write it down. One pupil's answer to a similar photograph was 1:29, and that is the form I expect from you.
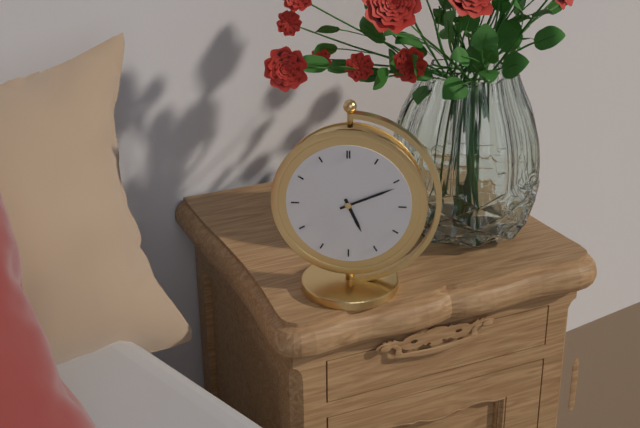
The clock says 5:11
